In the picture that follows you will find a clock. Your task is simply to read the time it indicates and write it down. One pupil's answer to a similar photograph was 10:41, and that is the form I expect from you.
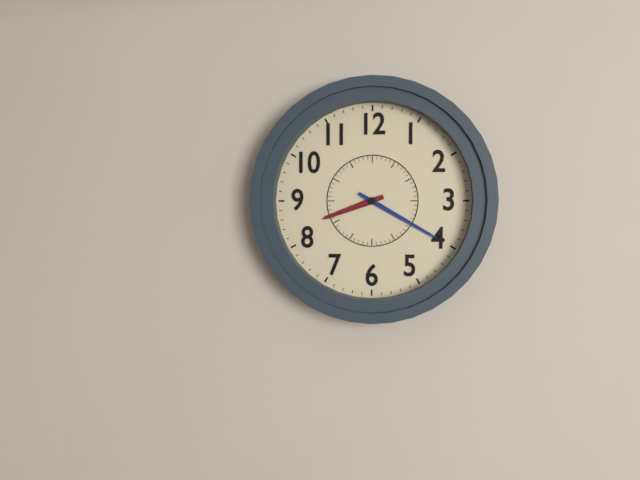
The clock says 8:20
